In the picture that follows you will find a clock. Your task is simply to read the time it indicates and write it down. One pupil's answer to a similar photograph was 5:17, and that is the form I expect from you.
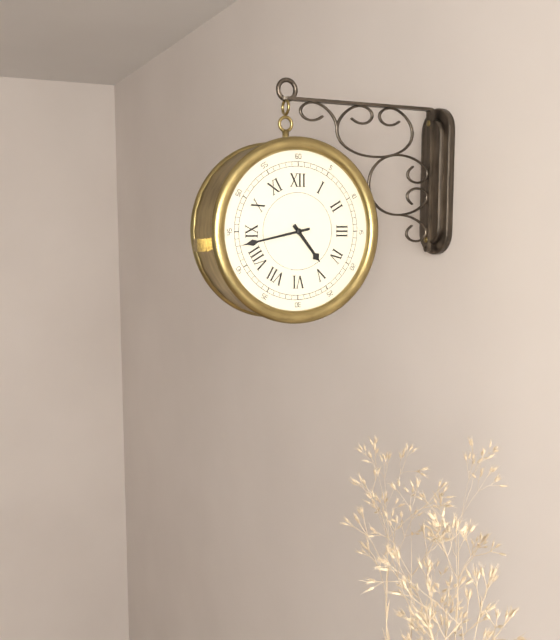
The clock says 4:43
